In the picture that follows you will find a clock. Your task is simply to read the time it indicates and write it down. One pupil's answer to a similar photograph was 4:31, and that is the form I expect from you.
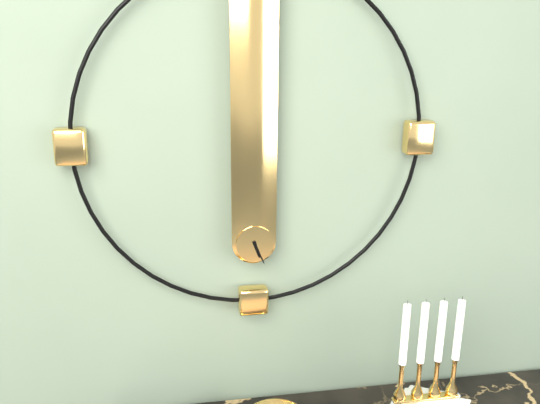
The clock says 5:26
